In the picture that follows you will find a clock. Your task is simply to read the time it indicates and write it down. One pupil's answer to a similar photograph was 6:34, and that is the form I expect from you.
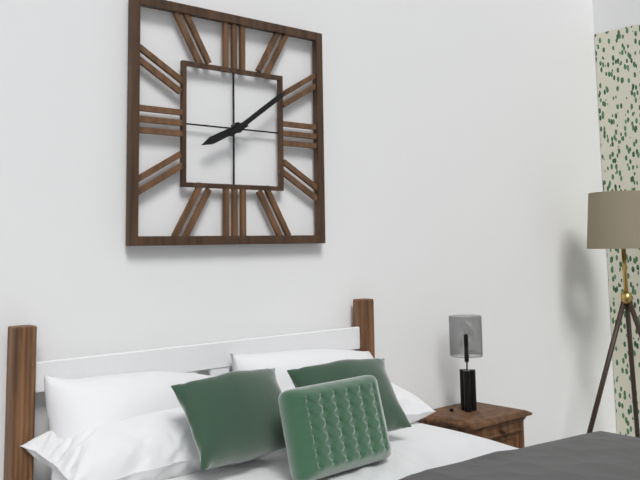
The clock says 8:09
